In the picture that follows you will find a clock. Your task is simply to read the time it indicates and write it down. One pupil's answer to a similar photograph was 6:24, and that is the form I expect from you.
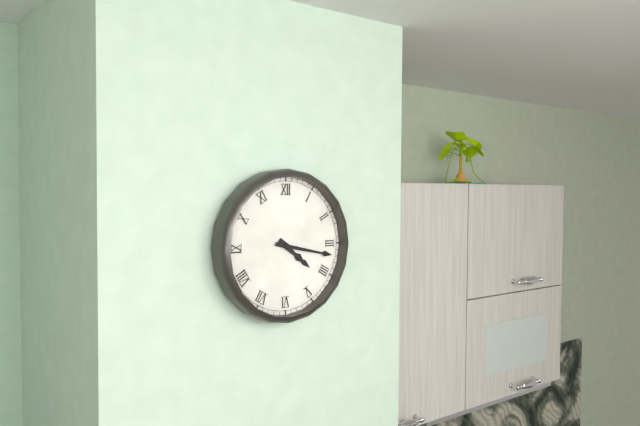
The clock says 4:17
